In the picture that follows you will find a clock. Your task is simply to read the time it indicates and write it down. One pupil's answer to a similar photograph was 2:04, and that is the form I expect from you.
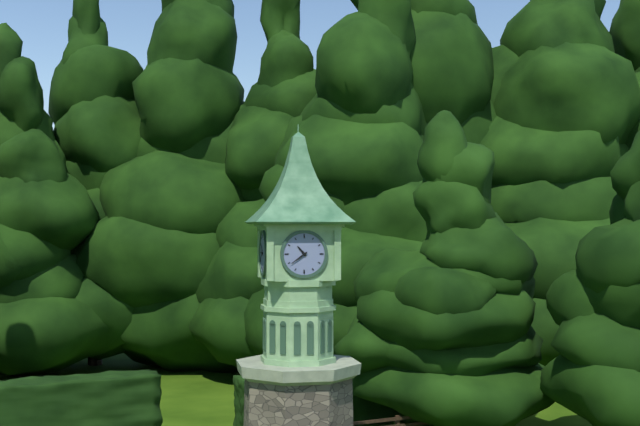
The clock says 10:39
